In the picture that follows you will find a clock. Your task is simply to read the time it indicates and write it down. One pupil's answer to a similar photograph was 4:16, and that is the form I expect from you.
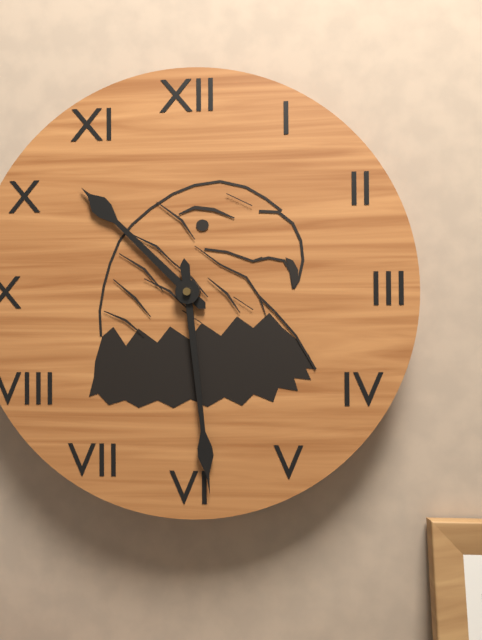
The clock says 10:29
